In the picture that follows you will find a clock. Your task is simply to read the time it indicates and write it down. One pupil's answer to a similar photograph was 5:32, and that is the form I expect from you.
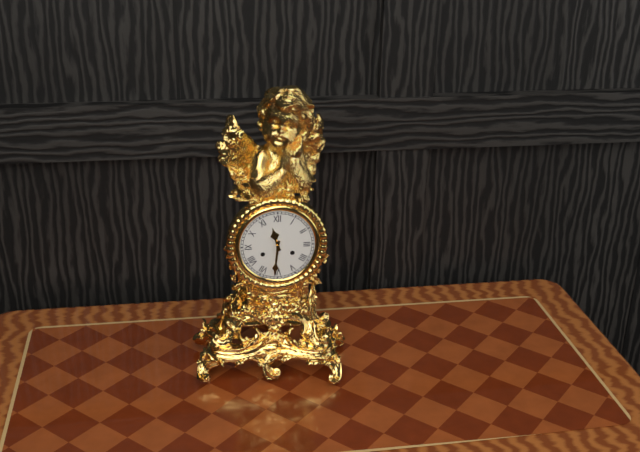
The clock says 11:31
